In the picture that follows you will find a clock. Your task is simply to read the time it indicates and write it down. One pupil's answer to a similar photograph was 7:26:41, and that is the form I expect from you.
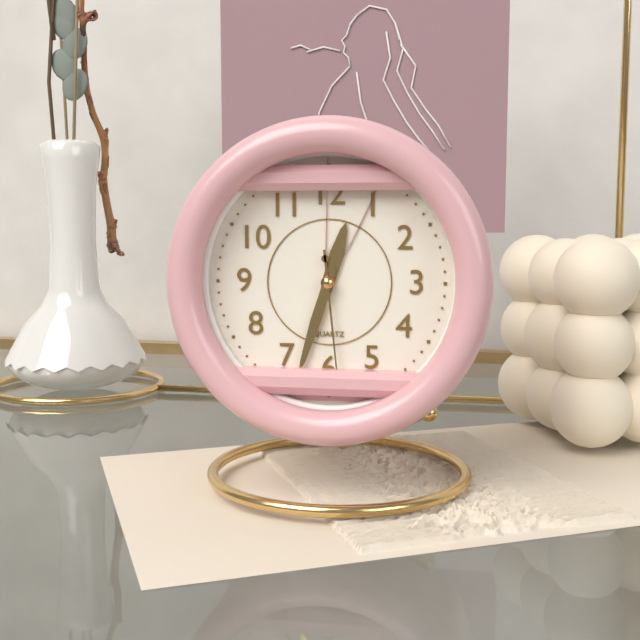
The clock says 12:33:29
